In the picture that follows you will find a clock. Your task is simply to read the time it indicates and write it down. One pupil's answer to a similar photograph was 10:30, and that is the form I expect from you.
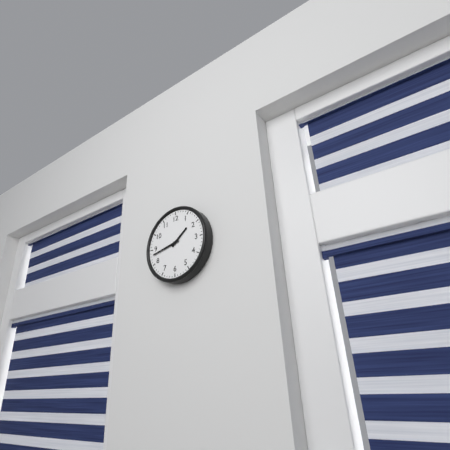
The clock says 1:43
